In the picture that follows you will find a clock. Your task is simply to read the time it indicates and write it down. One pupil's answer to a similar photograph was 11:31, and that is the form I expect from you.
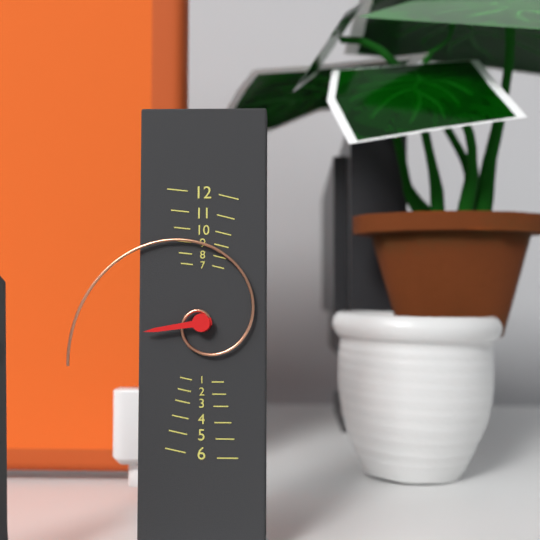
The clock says 8:42
